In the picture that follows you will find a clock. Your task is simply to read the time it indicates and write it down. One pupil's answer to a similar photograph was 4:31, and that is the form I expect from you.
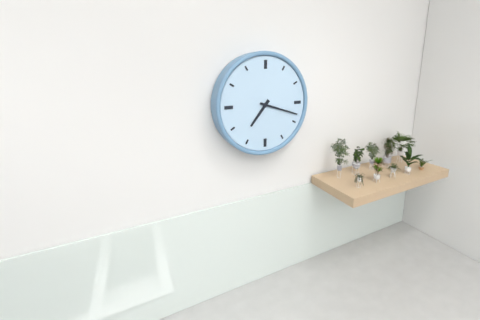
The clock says 7:18
